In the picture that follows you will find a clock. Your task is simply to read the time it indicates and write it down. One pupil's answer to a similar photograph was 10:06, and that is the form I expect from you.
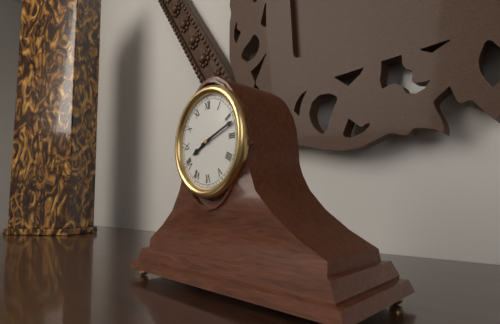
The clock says 8:12
